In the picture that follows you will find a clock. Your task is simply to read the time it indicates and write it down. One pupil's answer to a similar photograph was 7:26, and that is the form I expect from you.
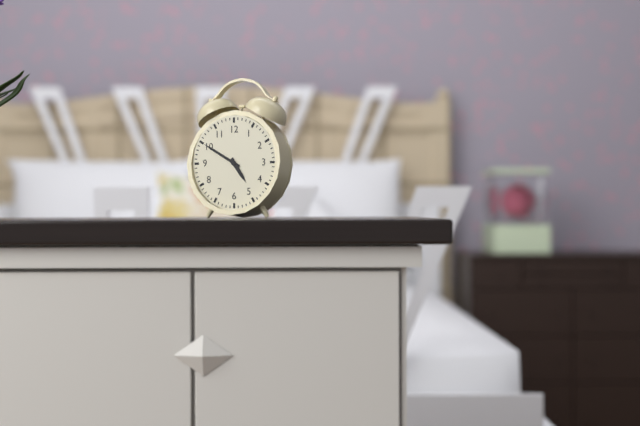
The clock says 4:50
